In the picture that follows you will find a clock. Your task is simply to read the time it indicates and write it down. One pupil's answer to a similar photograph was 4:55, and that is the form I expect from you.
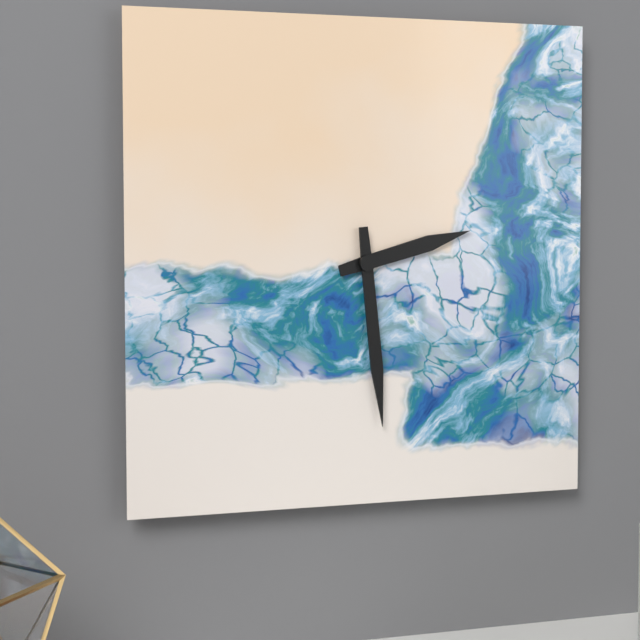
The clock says 2:29
